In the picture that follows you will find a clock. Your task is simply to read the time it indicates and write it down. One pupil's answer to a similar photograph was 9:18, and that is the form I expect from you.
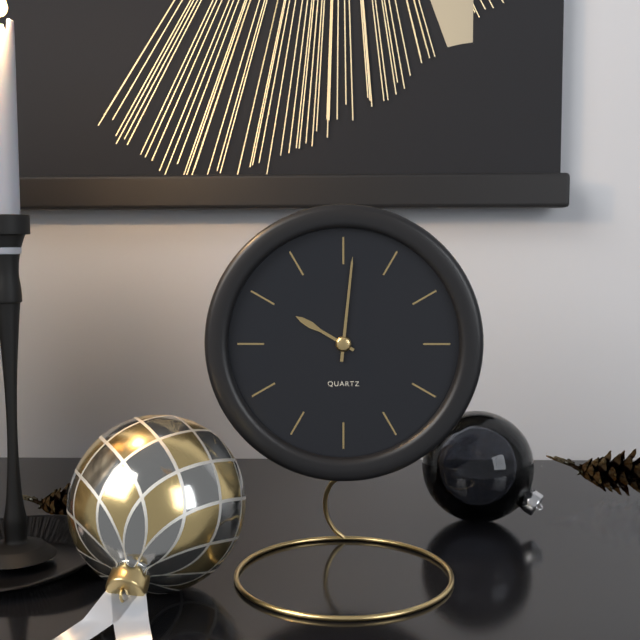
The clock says 10:01
